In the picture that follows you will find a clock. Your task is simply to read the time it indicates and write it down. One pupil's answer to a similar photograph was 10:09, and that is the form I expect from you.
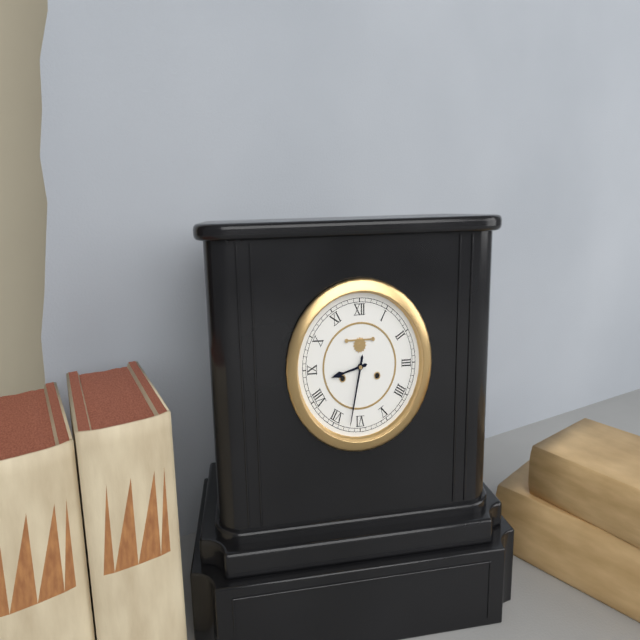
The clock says 8:32
